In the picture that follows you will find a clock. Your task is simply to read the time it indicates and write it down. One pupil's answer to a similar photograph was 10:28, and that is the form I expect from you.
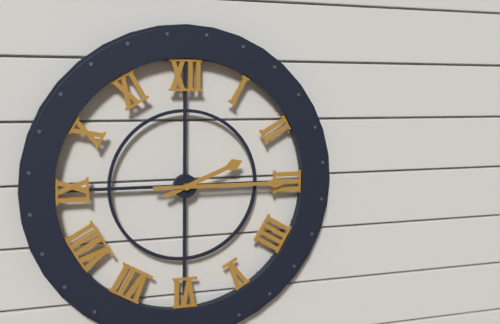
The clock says 2:15
